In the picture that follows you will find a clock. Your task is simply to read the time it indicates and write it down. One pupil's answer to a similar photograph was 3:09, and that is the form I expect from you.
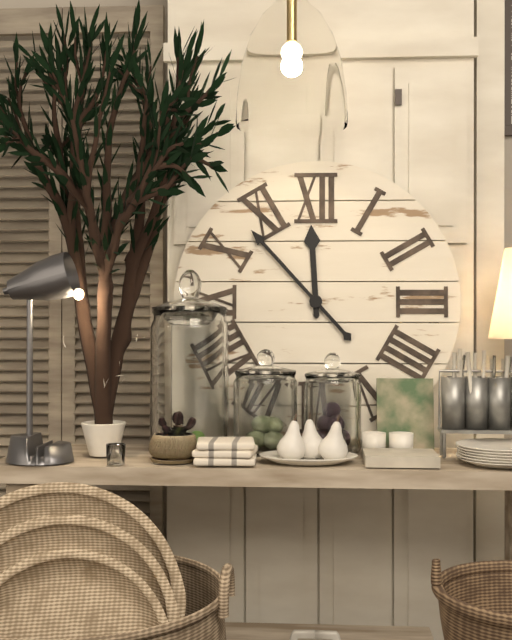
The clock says 11:53
